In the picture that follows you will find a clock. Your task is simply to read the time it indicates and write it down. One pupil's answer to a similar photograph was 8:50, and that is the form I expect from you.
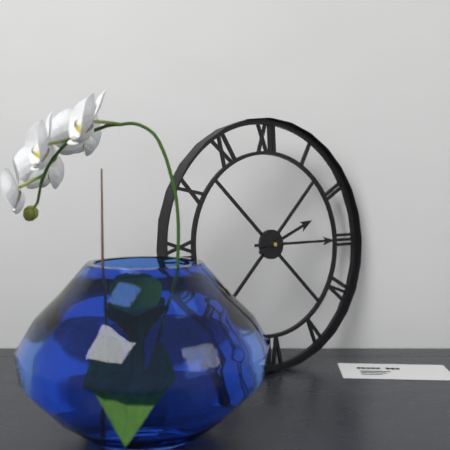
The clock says 2:15
